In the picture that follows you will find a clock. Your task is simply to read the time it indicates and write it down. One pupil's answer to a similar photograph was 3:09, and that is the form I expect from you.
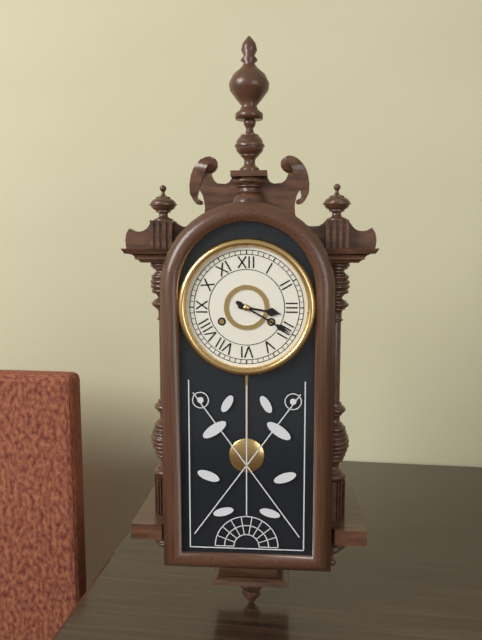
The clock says 3:20
